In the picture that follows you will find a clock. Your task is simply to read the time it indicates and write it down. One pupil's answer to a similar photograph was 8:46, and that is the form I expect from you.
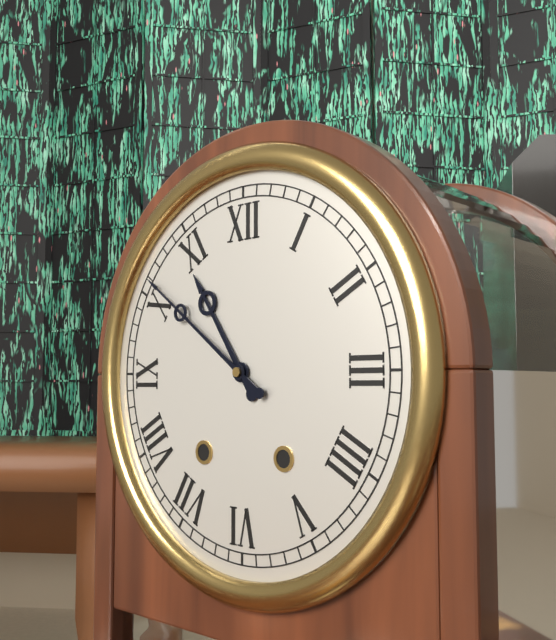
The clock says 10:51
